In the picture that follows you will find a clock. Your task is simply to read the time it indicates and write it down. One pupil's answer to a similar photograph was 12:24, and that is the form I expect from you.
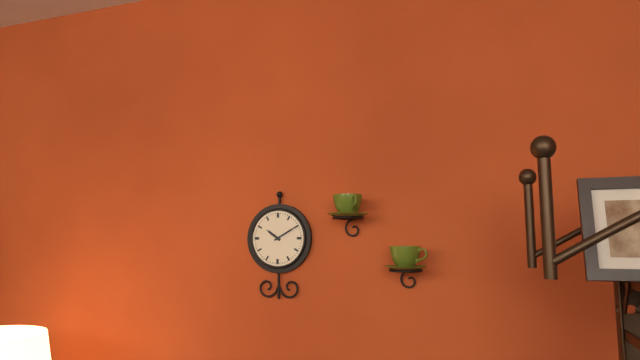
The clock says 10:10
